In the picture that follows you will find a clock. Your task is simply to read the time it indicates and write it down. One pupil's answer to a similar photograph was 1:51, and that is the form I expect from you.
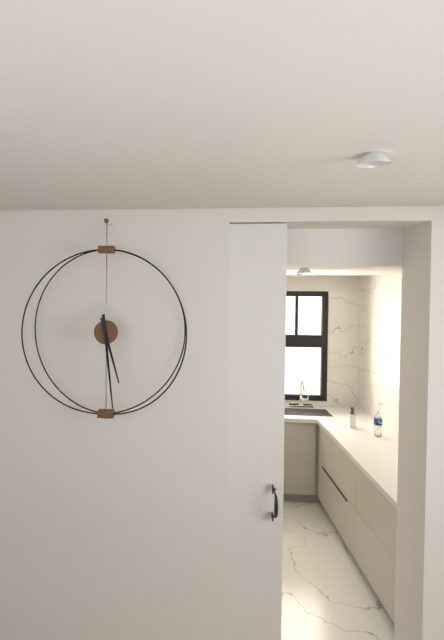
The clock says 5:29
